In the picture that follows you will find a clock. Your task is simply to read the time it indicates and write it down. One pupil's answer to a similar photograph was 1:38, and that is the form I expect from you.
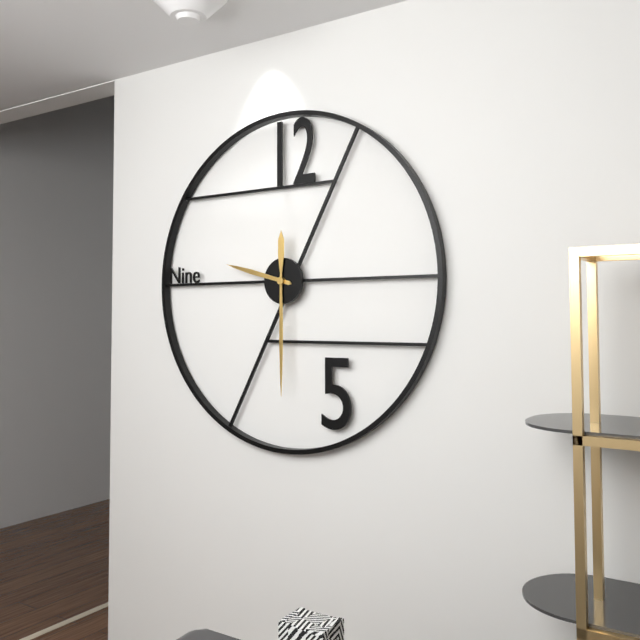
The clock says 9:30
